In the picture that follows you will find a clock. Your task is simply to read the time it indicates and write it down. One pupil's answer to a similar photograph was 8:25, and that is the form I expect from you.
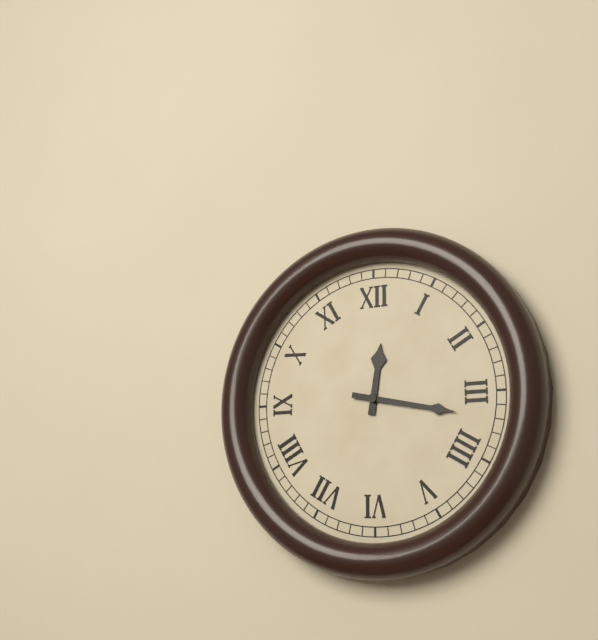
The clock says 12:17
